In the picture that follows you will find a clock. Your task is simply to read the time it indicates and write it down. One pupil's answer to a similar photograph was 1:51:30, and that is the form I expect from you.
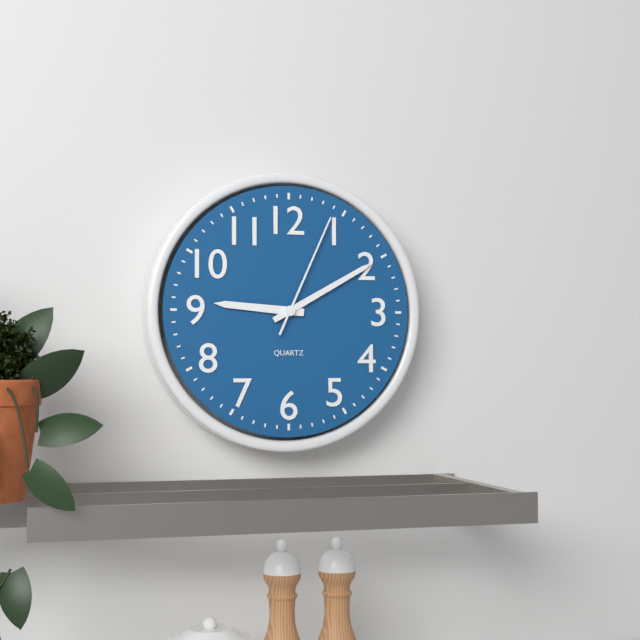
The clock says 9:10:04
